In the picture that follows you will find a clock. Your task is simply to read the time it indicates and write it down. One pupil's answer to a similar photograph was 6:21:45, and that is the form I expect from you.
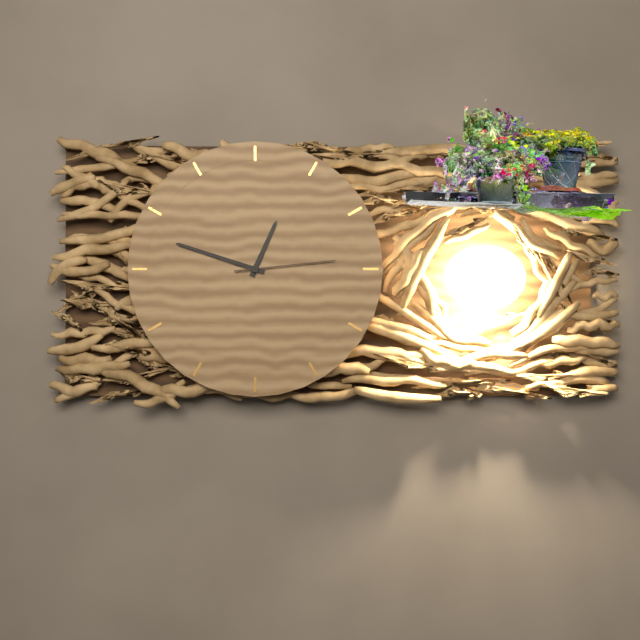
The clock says 12:48:14
